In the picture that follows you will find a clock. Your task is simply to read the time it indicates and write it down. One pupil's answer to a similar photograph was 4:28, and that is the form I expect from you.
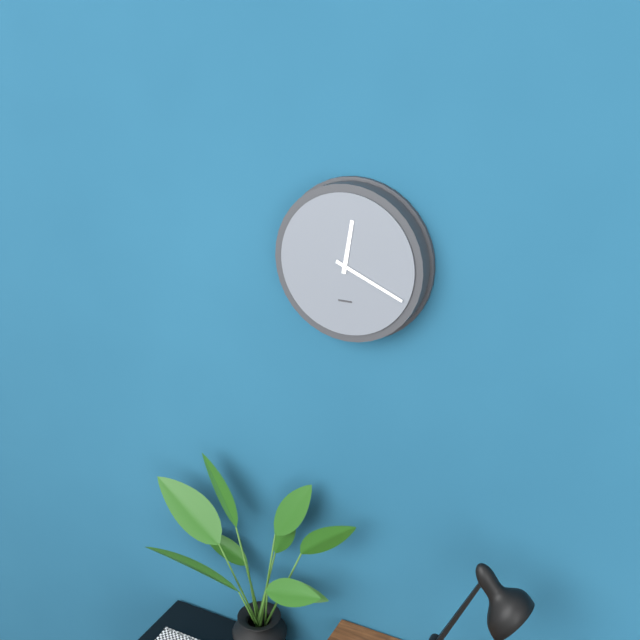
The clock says 12:19
